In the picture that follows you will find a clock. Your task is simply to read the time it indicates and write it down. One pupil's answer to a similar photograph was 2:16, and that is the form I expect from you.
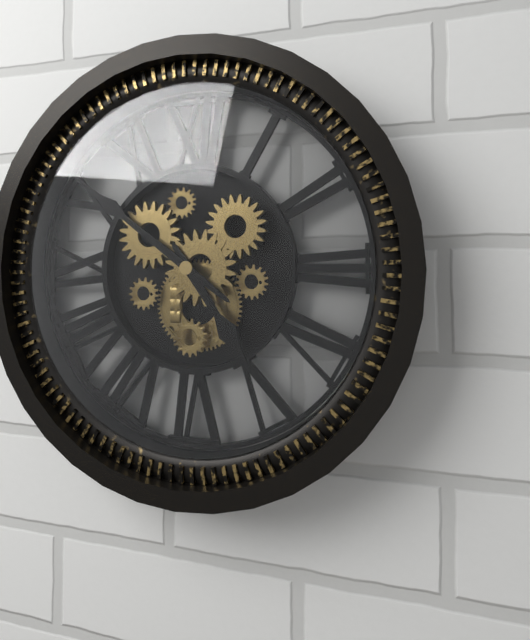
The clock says 4:51
